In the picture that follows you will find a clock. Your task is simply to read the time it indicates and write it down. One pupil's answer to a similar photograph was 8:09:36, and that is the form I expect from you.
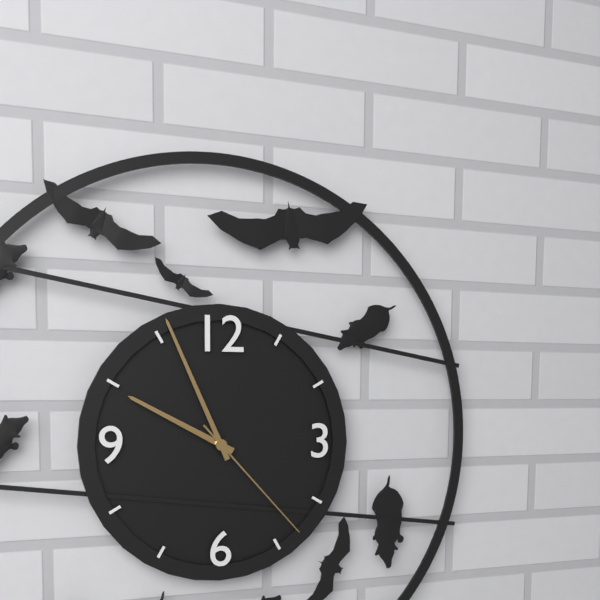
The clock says 9:56:23
